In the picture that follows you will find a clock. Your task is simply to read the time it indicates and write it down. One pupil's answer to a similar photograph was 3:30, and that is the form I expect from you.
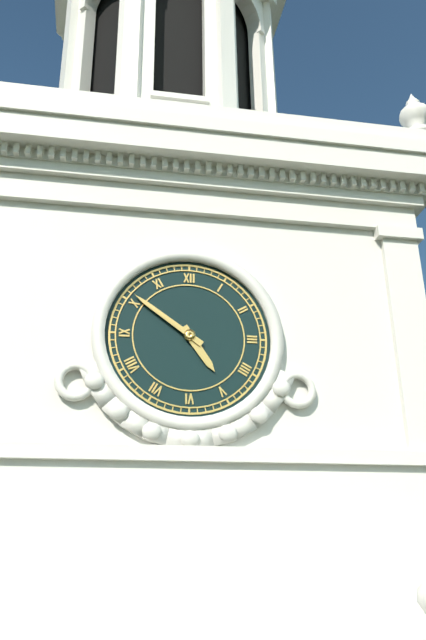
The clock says 4:51
